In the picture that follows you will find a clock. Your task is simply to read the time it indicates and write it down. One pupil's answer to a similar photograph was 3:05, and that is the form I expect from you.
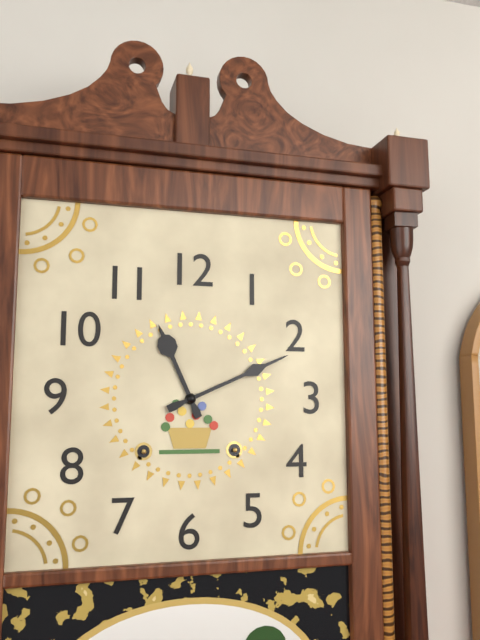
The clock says 11:11
